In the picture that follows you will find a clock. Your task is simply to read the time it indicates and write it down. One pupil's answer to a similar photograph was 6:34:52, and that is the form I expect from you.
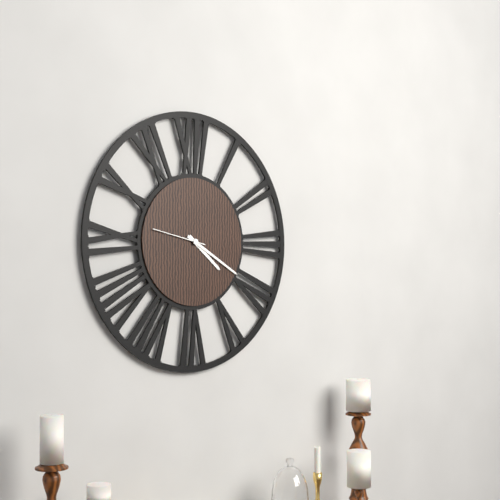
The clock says 4:20:47
